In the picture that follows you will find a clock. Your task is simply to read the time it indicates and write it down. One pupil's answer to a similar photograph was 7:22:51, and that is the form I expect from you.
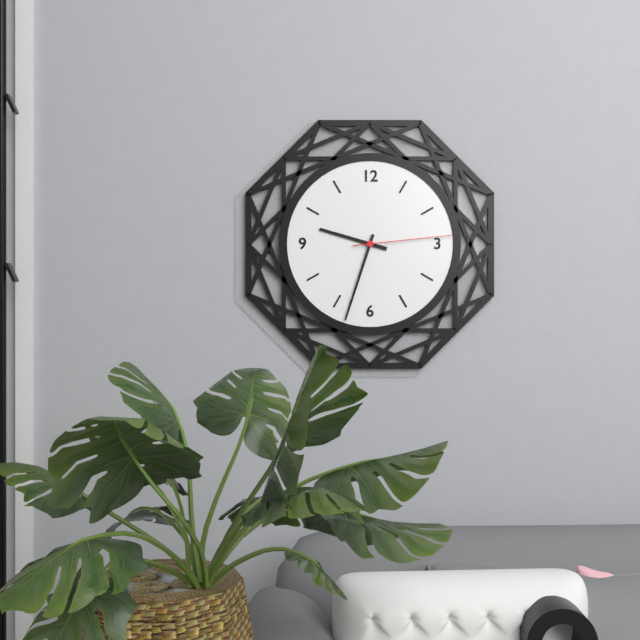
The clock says 9:33:14
